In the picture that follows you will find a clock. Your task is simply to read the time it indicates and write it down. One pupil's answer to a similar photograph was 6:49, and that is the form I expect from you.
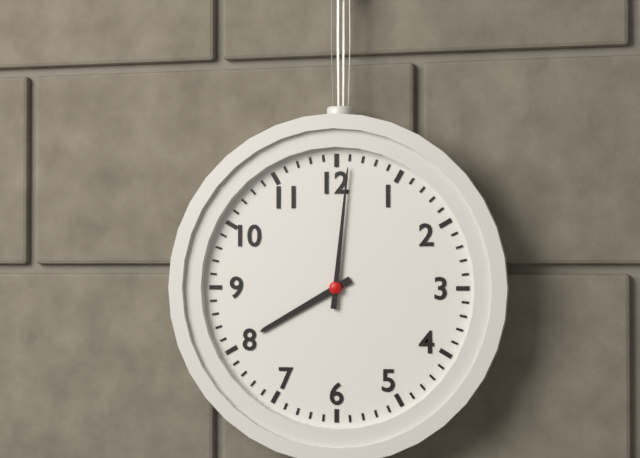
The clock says 8:01
